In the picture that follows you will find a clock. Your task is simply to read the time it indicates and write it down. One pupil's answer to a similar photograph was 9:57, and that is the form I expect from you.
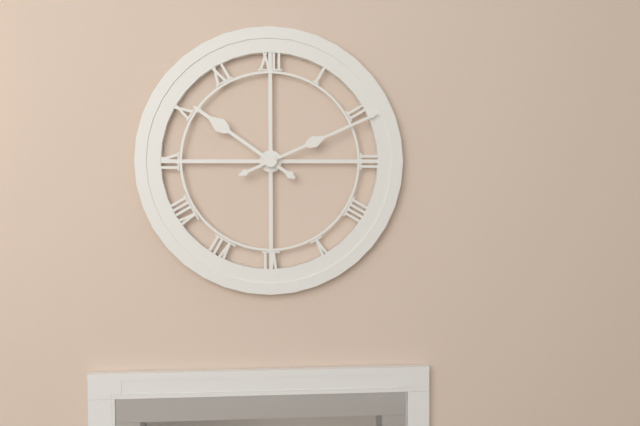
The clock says 10:11
